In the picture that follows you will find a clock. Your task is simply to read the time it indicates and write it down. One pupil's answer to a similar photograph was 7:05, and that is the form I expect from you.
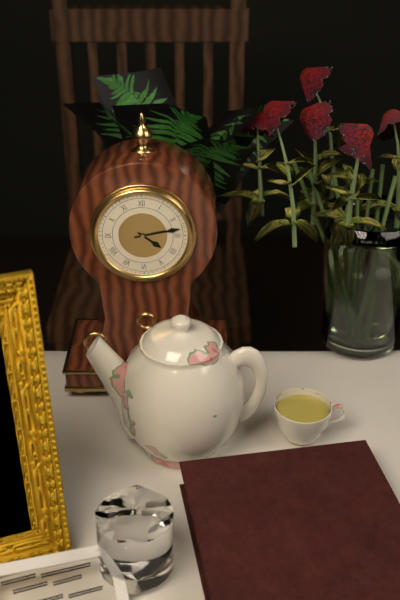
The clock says 4:13
